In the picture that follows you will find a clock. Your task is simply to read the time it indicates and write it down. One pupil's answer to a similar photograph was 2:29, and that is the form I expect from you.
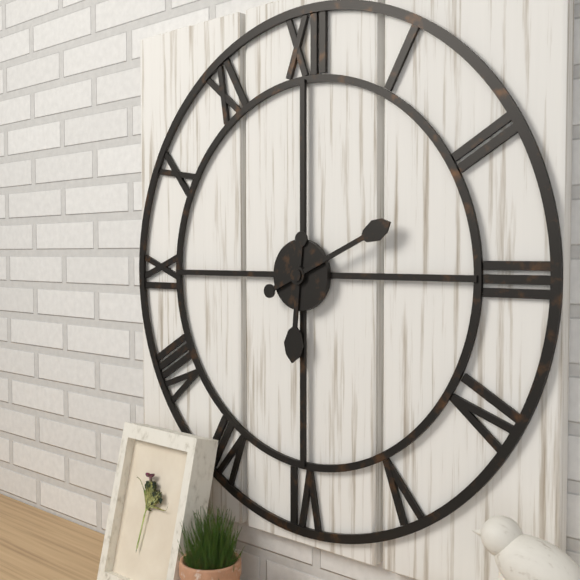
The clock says 6:11
